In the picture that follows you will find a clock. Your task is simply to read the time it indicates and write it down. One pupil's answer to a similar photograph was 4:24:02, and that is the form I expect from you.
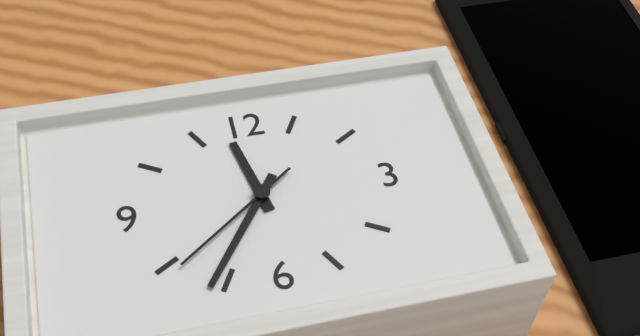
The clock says 11:36:39
